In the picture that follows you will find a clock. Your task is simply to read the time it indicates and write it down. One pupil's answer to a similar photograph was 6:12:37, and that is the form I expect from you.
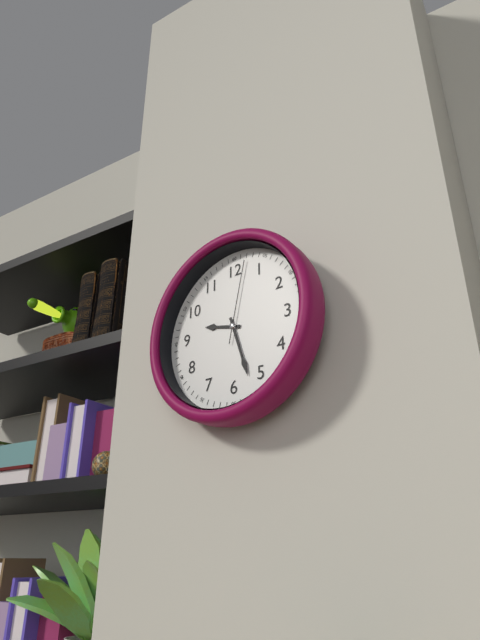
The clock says 9:27:02
